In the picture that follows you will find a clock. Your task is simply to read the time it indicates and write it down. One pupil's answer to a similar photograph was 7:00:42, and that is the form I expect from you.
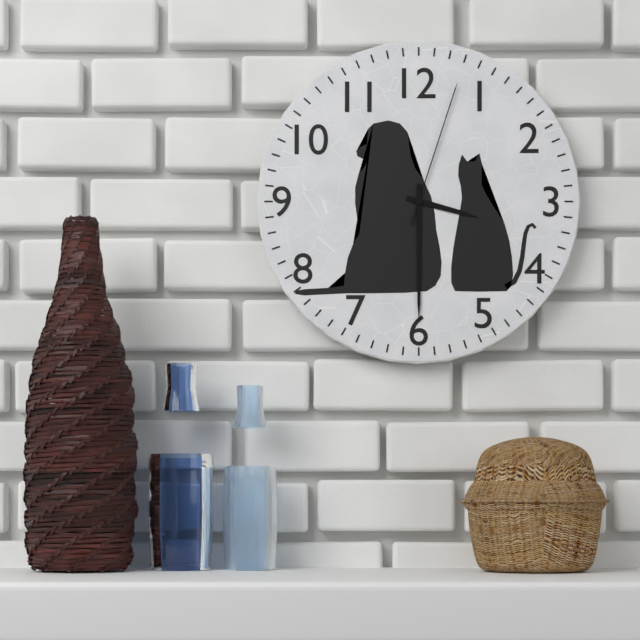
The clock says 3:30:03
